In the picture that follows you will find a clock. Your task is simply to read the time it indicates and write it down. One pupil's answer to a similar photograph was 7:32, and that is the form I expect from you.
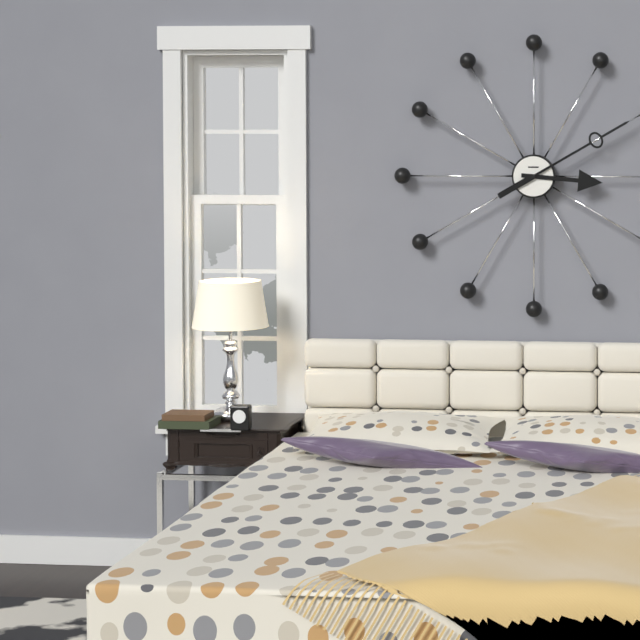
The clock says 3:10
